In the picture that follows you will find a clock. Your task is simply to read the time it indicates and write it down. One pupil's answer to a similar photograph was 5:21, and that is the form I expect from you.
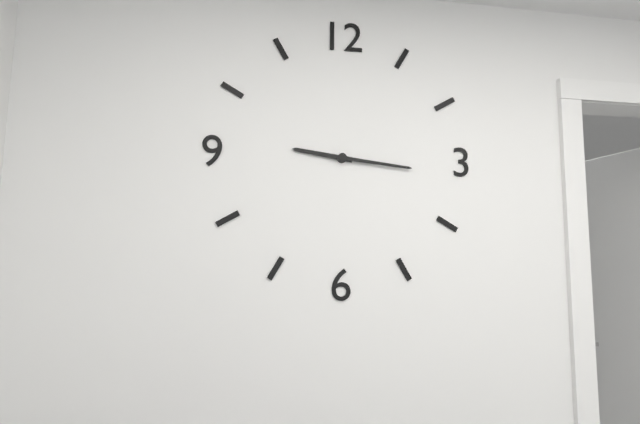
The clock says 9:16
